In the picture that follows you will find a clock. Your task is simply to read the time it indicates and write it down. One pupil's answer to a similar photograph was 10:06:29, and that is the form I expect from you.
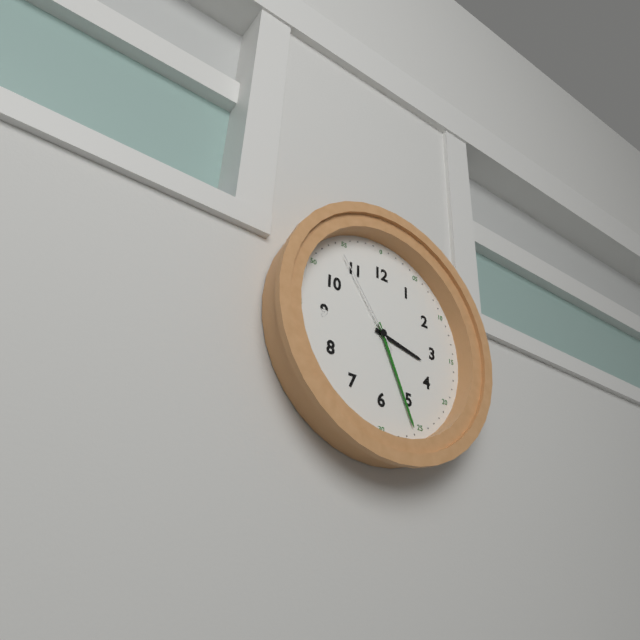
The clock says 3:26:54
